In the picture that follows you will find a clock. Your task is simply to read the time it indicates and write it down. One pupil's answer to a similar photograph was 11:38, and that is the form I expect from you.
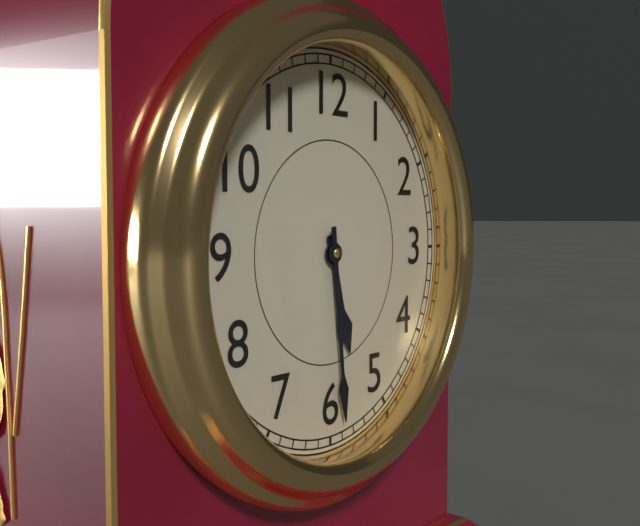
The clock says 5:29
